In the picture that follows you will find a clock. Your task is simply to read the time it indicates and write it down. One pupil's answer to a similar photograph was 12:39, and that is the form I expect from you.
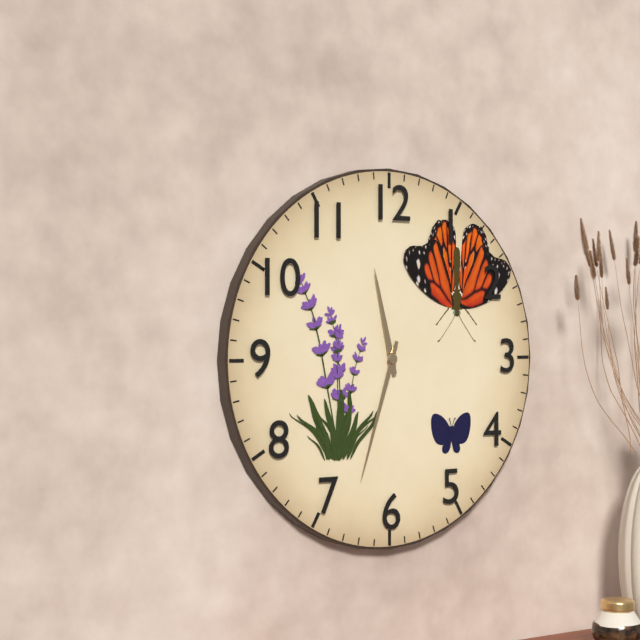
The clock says 11:33
